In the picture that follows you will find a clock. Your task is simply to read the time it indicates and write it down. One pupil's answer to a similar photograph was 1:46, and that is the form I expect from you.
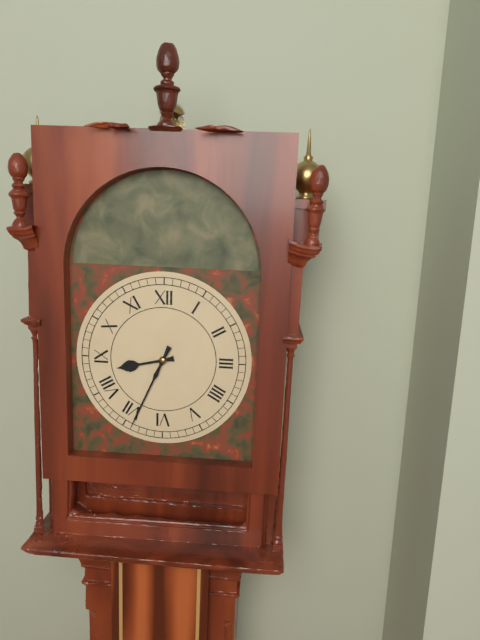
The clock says 8:34
